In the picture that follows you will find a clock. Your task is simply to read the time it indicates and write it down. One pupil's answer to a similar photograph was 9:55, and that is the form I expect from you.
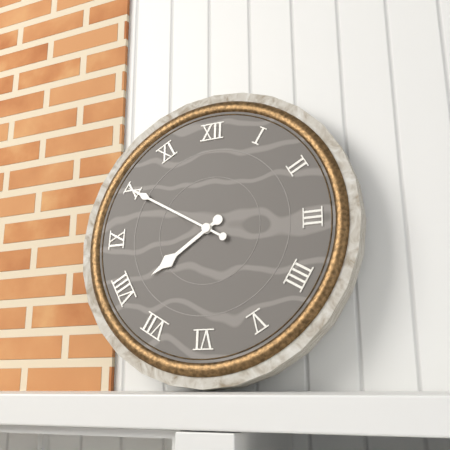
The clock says 7:50
